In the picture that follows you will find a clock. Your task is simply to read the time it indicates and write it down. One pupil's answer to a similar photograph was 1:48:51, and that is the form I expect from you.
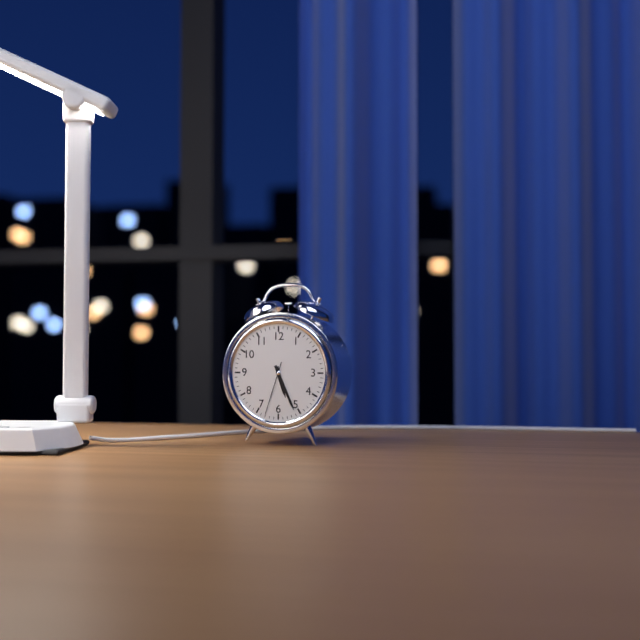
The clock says 5:26:33
